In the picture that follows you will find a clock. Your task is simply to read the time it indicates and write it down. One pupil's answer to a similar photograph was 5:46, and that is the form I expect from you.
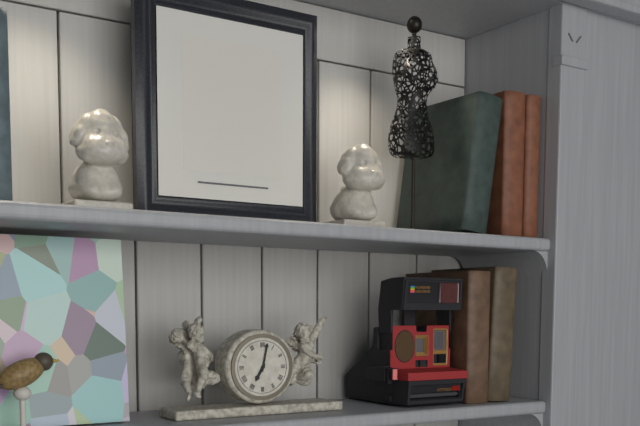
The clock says 7:02
